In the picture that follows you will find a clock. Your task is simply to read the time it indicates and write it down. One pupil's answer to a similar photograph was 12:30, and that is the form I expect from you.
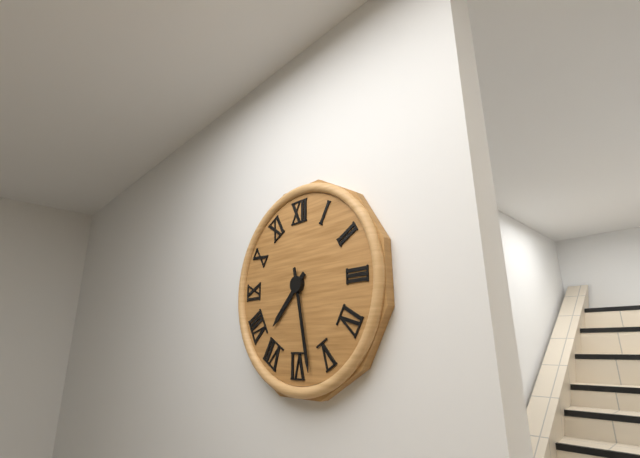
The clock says 7:28
